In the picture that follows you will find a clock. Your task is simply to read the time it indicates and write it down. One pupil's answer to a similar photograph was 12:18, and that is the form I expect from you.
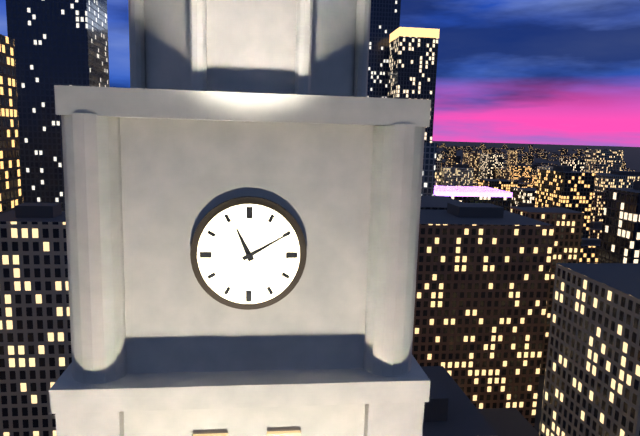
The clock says 11:10
